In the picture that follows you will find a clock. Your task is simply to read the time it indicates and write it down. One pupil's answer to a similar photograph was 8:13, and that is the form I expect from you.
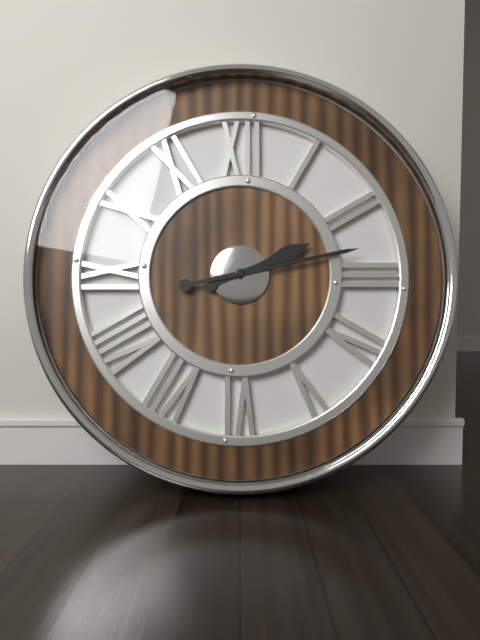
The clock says 2:13
